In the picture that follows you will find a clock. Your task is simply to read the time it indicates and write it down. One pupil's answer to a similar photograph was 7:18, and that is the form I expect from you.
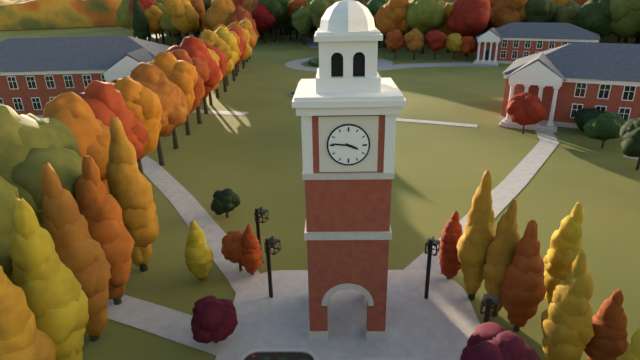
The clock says 3:46
